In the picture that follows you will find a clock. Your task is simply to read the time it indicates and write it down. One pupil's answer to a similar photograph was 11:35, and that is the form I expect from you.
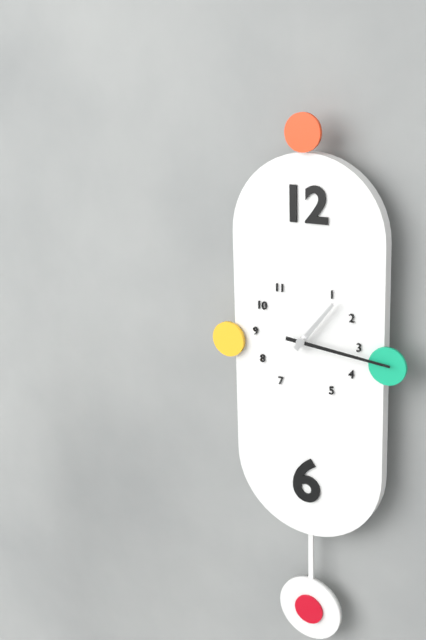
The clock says 1:16
